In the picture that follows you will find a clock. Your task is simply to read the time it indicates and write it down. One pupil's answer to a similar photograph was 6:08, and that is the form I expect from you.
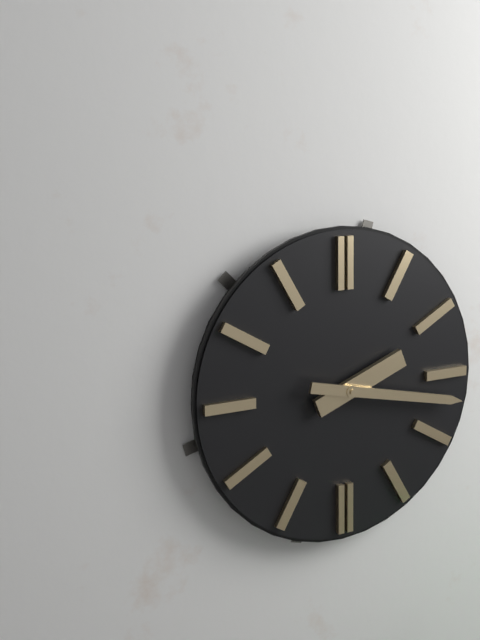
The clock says 2:17
